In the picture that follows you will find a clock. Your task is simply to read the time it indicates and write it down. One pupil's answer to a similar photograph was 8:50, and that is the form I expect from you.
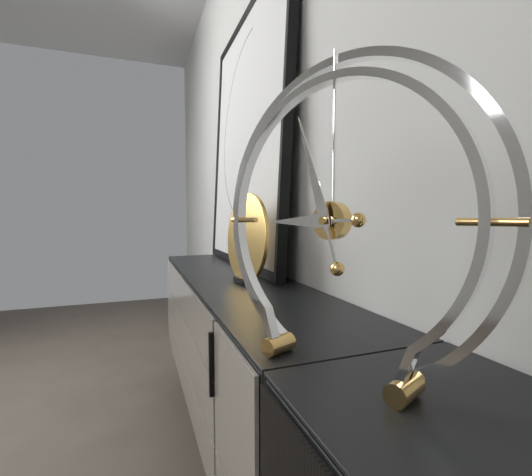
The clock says 8:57
